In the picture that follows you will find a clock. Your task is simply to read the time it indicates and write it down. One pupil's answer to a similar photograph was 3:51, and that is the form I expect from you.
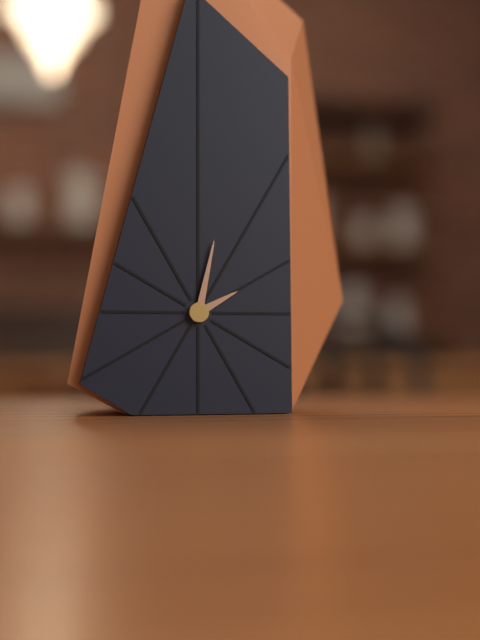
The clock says 2:02
